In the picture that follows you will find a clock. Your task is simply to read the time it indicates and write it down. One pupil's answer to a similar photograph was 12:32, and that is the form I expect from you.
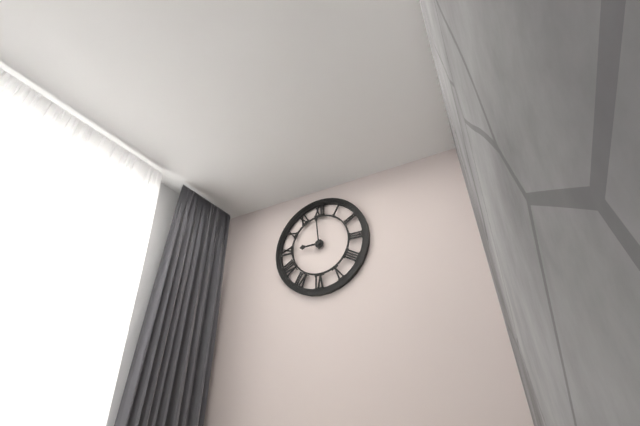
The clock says 8:59
